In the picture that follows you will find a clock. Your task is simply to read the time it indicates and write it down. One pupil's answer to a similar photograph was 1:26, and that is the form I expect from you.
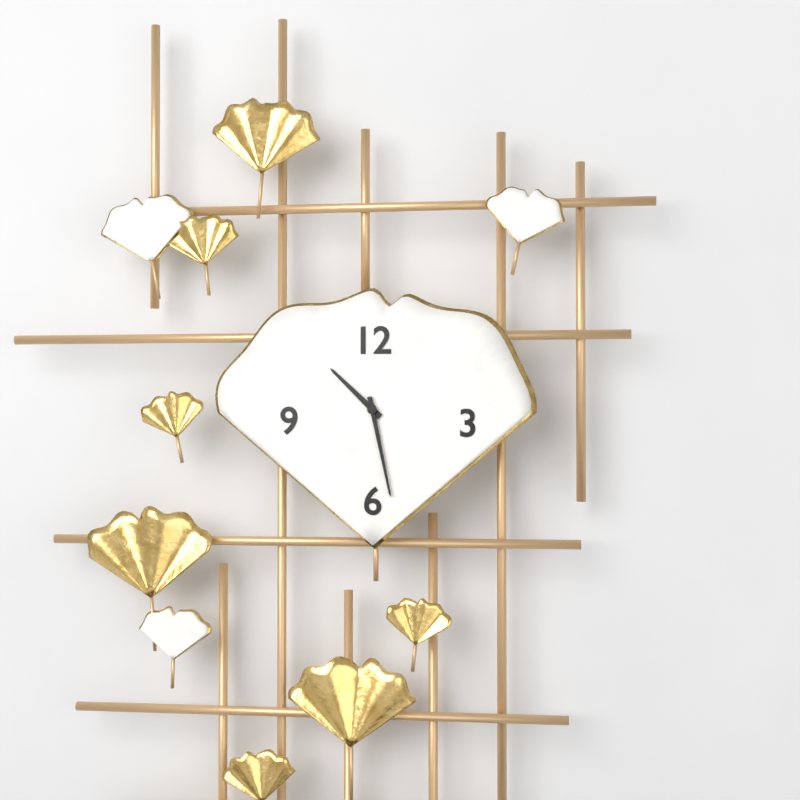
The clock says 10:28
